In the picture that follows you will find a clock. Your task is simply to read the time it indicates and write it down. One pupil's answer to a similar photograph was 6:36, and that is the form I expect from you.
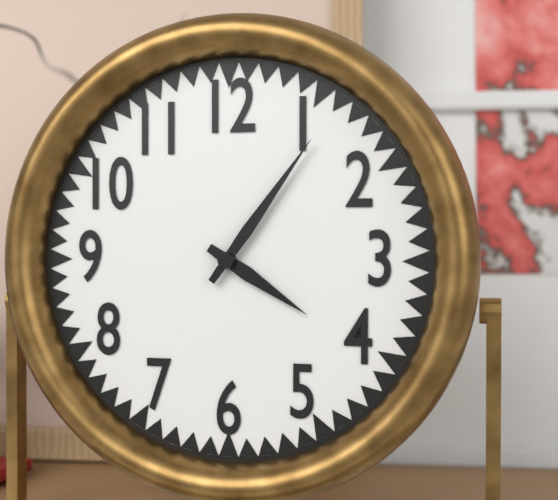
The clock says 4:06
